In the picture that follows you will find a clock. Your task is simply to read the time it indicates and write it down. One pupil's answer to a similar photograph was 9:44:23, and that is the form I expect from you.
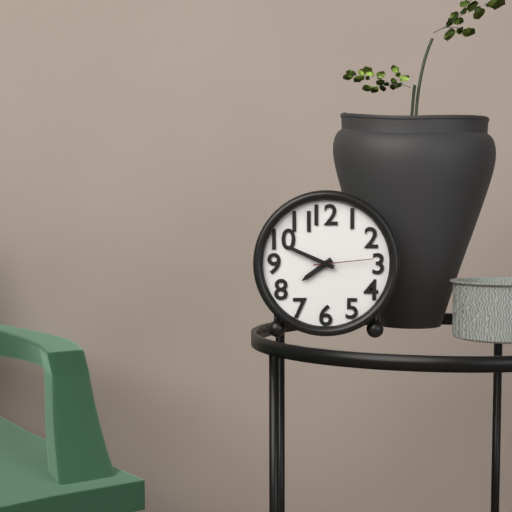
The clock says 7:49:14
